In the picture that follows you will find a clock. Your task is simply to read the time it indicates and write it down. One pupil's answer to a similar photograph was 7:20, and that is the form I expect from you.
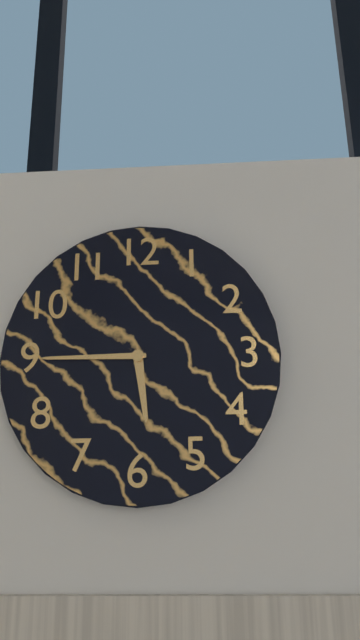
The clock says 5:45
